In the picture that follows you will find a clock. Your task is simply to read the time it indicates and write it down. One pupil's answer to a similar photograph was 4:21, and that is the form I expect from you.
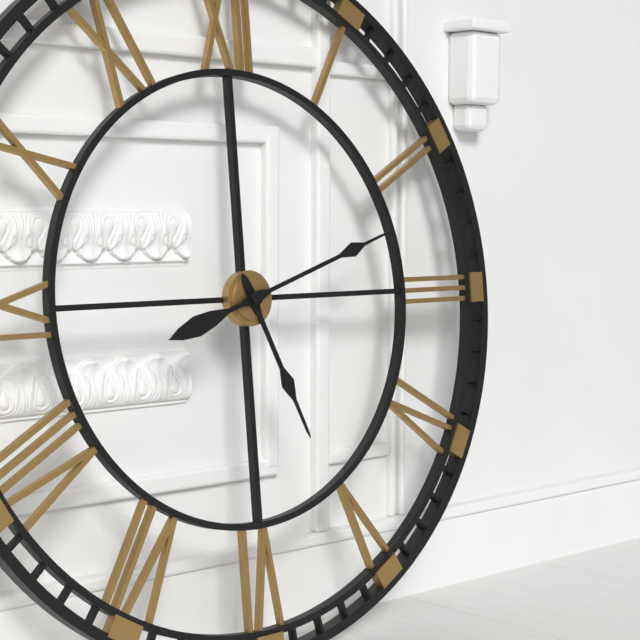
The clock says 5:12
